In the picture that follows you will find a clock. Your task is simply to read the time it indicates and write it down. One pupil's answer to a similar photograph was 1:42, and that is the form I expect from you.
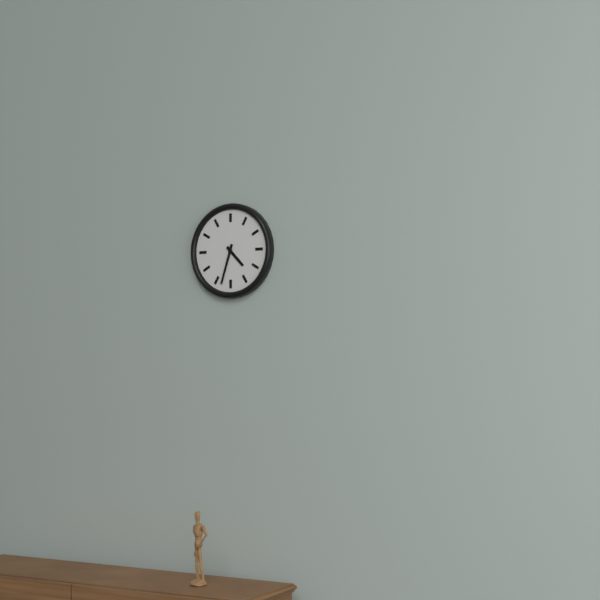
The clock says 4:33
